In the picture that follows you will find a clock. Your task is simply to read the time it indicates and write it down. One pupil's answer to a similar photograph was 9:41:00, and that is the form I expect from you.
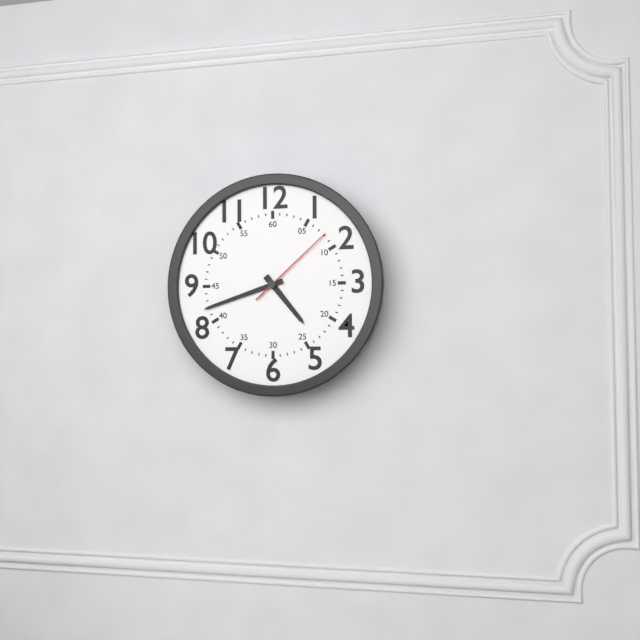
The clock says 4:42:08
